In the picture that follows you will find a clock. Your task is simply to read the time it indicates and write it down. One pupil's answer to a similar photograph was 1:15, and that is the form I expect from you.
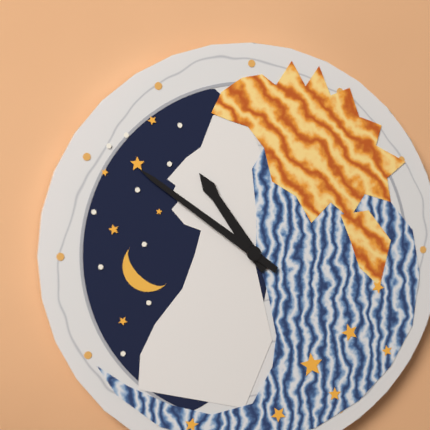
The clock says 10:51
